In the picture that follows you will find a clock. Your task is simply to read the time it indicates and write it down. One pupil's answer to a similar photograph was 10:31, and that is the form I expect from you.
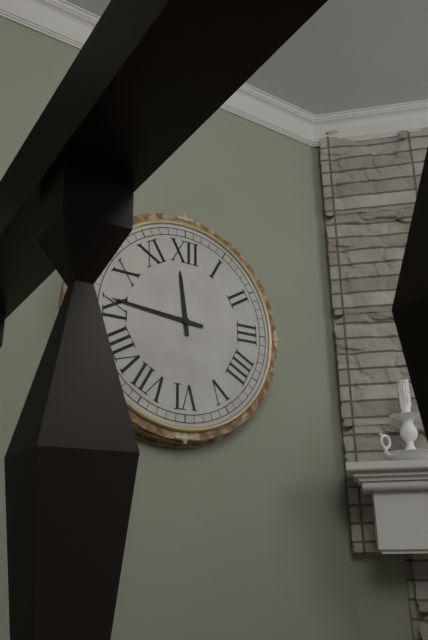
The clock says 11:46
